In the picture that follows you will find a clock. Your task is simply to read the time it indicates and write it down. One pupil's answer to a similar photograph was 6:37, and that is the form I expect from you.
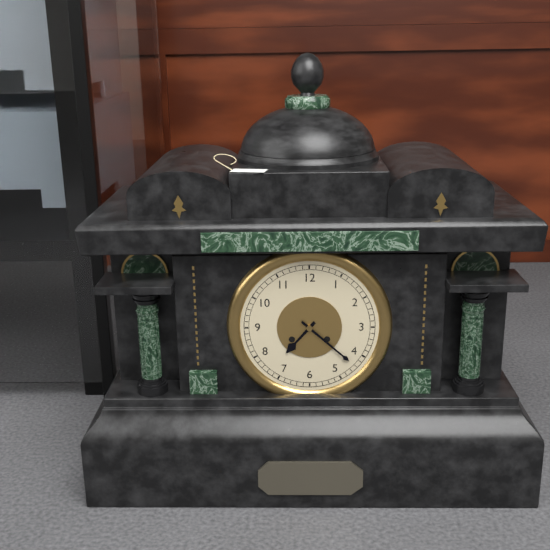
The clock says 7:22
